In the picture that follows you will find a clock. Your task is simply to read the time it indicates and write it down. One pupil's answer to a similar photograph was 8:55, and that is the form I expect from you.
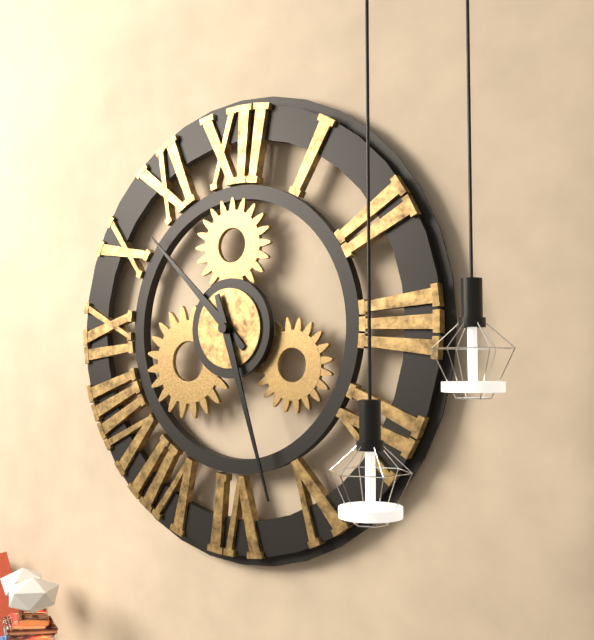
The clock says 10:27
